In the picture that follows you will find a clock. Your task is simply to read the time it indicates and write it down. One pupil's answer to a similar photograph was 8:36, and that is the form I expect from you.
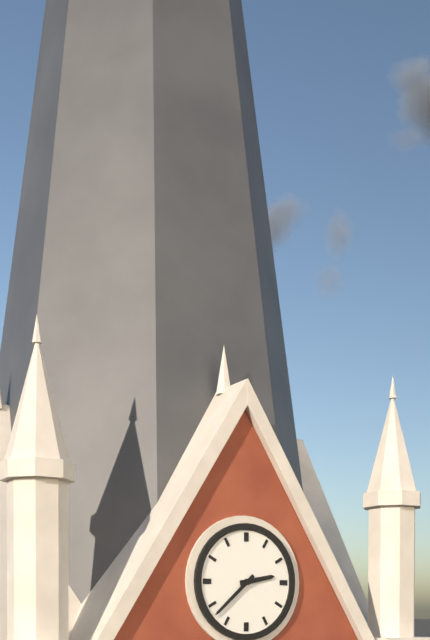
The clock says 2:38
